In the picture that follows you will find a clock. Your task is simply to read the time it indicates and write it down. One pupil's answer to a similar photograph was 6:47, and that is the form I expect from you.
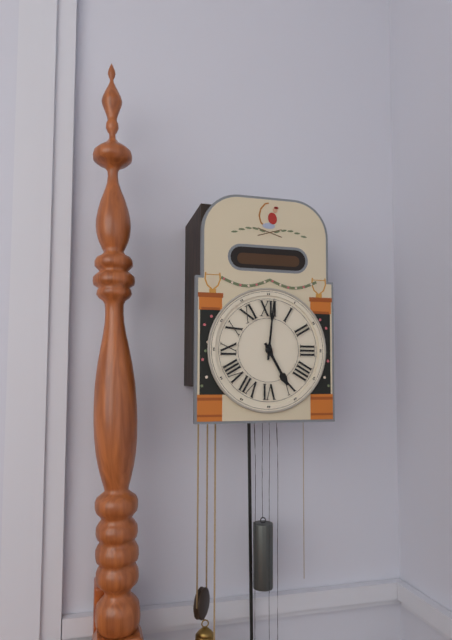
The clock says 5:01
